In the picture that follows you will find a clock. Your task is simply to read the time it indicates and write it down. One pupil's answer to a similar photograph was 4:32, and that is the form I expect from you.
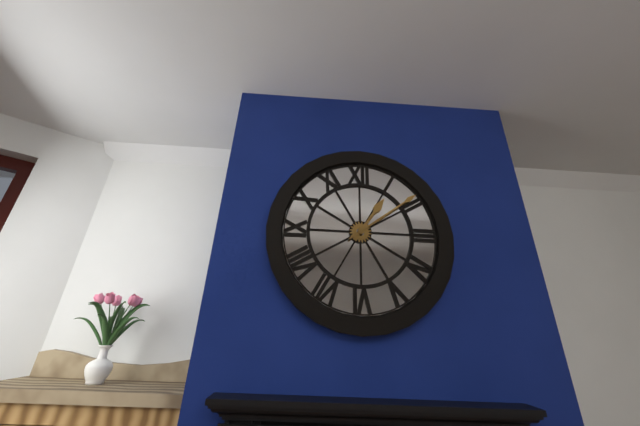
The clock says 1:09
